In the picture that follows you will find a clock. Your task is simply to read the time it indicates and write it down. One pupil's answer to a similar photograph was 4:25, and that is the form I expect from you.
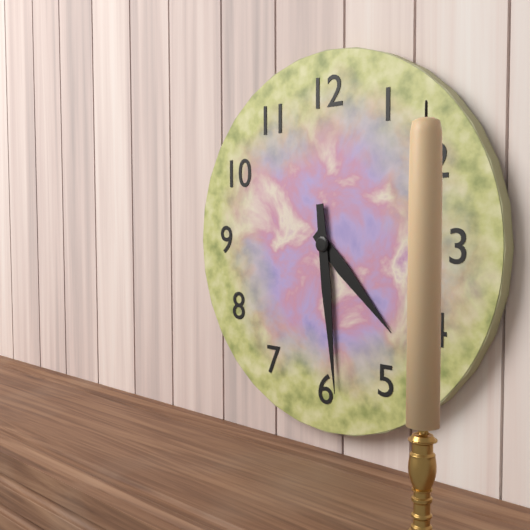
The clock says 4:29
